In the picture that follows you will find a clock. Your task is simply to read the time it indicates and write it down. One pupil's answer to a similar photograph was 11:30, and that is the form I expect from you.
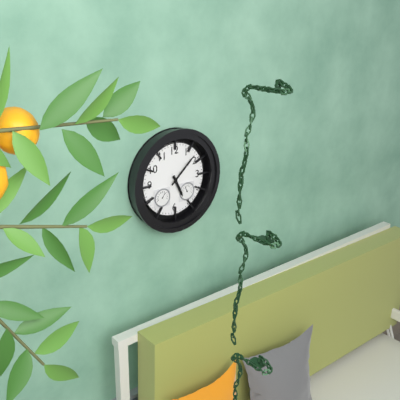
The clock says 5:08
